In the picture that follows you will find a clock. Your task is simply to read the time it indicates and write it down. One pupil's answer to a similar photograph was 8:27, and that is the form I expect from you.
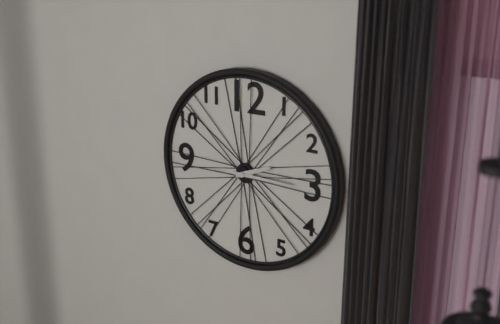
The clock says 2:15
